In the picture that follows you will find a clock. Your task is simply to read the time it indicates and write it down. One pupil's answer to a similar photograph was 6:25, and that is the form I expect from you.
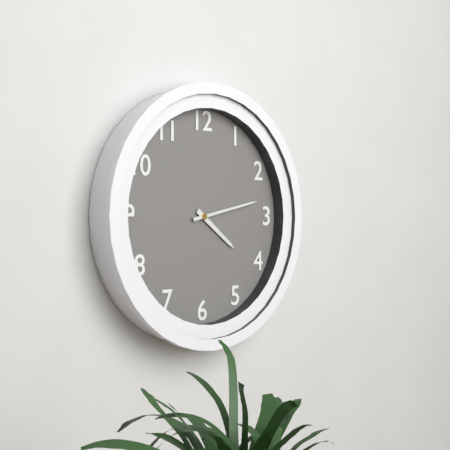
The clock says 4:13
